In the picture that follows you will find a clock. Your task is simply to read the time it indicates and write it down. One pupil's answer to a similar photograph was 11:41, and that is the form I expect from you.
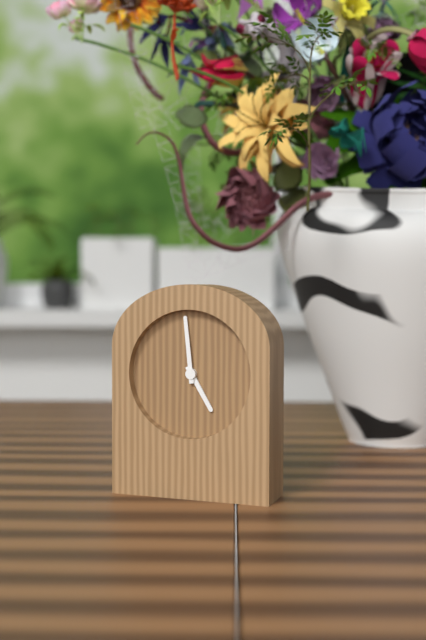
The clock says 4:59
